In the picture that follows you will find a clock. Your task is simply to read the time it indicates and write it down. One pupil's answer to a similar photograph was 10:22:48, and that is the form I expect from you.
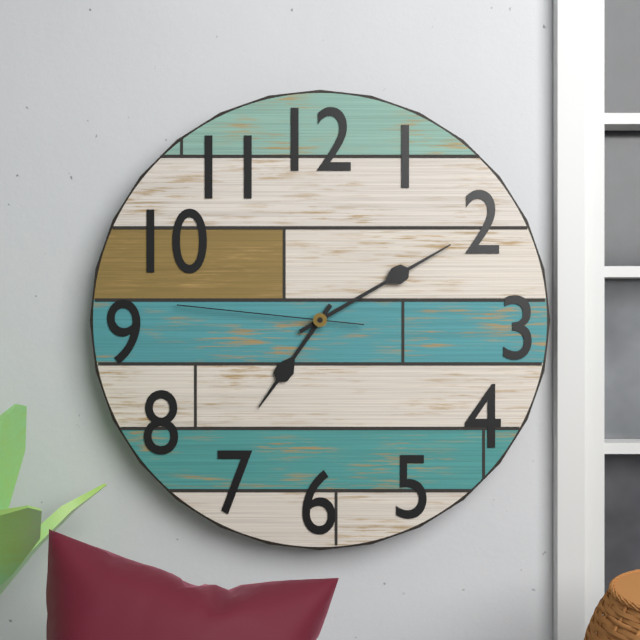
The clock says 7:10:46
